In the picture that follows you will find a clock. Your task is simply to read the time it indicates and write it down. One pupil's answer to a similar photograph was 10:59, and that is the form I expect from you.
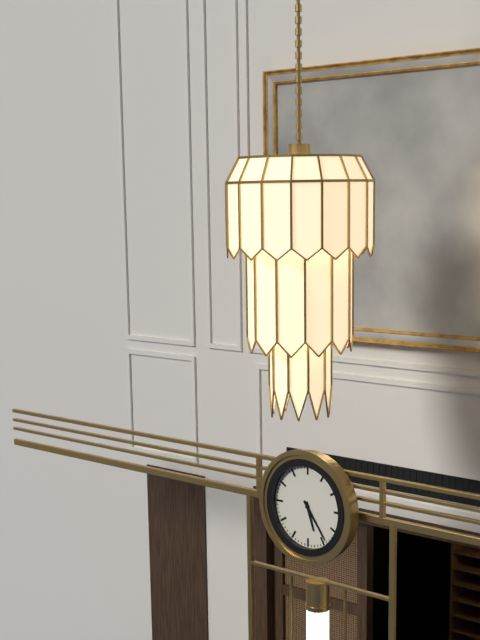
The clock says 5:24
